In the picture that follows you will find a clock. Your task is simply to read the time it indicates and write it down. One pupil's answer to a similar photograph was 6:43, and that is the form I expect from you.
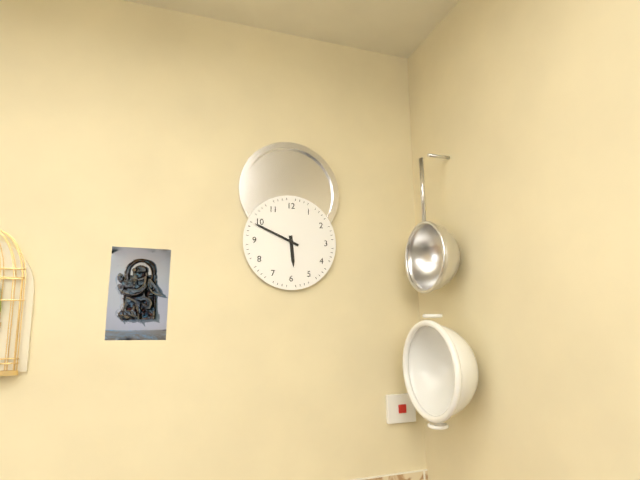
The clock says 5:49
